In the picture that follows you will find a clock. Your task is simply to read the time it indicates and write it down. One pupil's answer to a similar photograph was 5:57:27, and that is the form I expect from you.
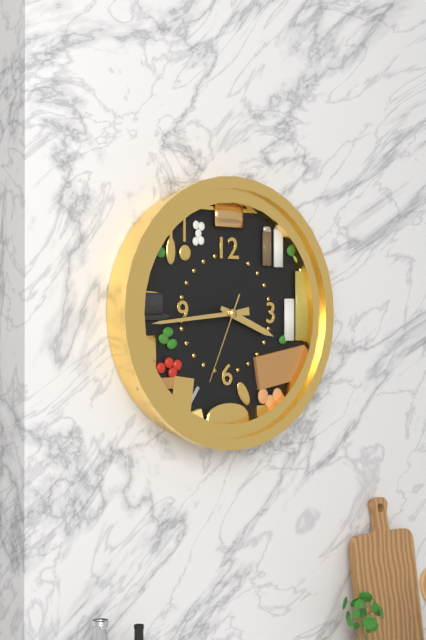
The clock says 3:44:34
